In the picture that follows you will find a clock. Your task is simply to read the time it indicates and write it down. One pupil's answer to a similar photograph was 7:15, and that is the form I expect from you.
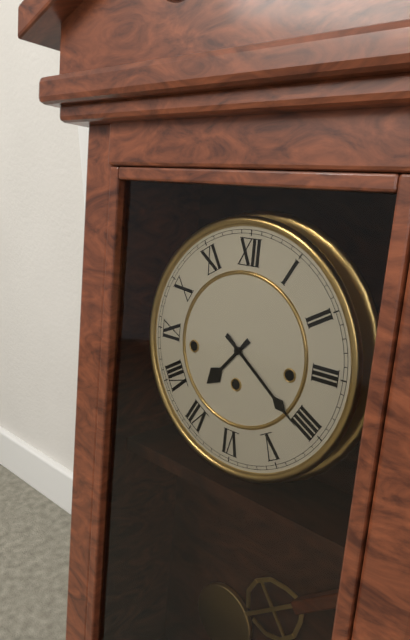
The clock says 7:21
